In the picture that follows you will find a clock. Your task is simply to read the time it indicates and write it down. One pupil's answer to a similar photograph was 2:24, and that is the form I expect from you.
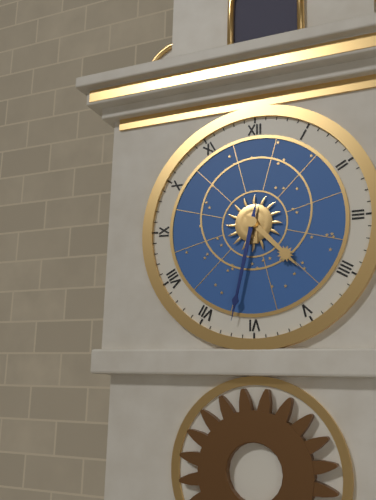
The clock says 4:32
